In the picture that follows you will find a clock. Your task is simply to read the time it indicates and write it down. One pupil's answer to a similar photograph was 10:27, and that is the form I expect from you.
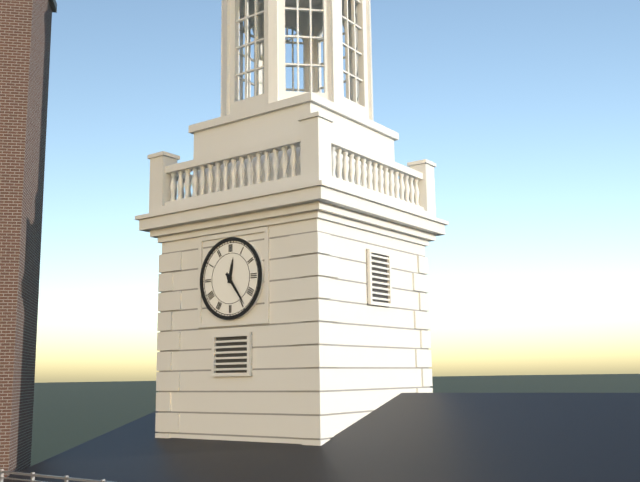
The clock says 12:24
